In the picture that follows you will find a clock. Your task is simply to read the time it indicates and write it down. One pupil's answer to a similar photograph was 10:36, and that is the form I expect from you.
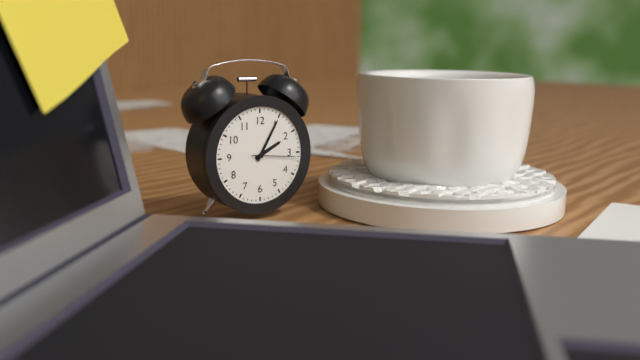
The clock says 2:05
